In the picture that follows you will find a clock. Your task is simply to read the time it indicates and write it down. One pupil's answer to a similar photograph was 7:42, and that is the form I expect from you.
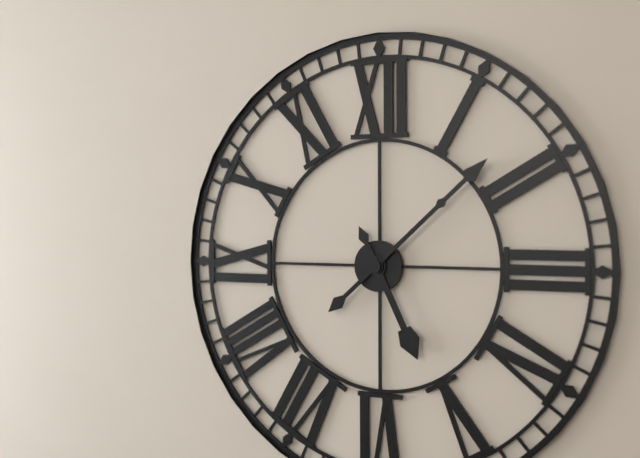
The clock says 5:08
